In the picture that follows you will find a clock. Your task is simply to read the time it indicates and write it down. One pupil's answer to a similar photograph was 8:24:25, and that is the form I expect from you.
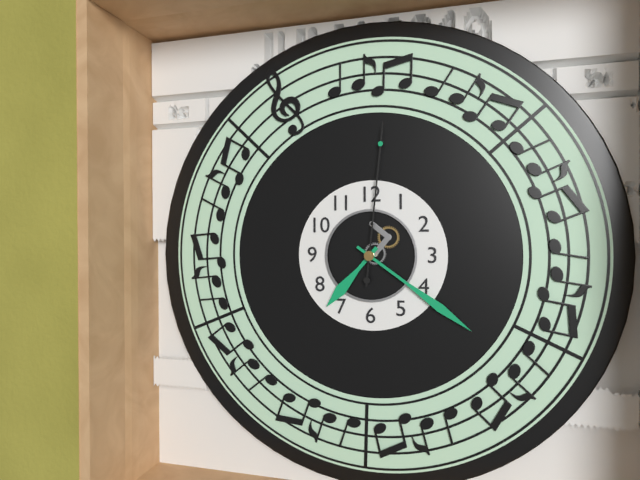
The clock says 7:21:01
